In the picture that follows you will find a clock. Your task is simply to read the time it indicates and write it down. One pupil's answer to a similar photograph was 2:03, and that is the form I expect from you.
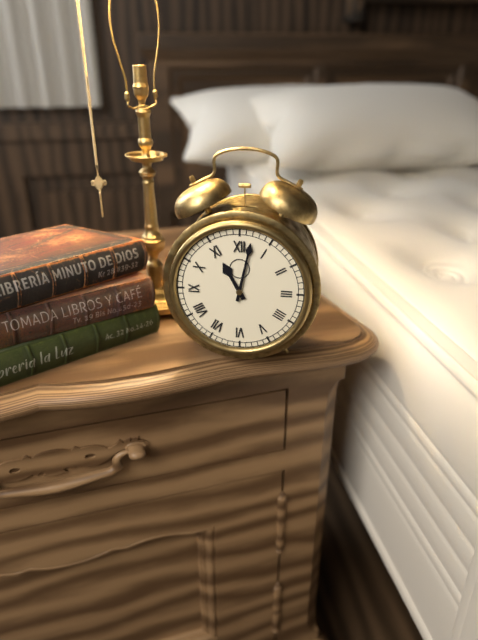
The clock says 11:02
